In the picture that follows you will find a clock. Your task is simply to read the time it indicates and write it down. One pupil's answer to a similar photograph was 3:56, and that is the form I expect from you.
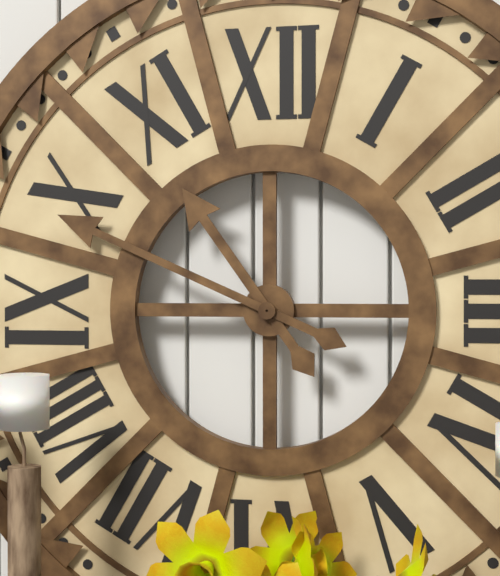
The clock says 10:49
